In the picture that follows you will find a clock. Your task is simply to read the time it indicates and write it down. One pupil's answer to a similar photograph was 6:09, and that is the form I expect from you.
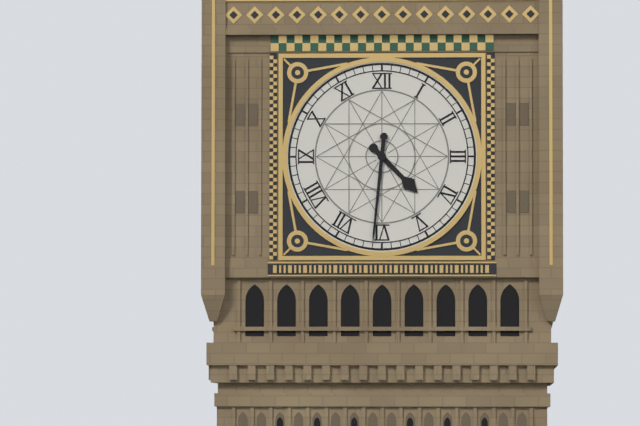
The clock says 4:31
